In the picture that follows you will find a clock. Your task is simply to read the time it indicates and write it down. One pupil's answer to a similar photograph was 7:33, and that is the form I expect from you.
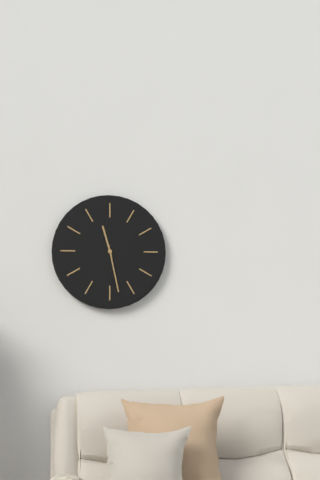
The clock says 11:28
